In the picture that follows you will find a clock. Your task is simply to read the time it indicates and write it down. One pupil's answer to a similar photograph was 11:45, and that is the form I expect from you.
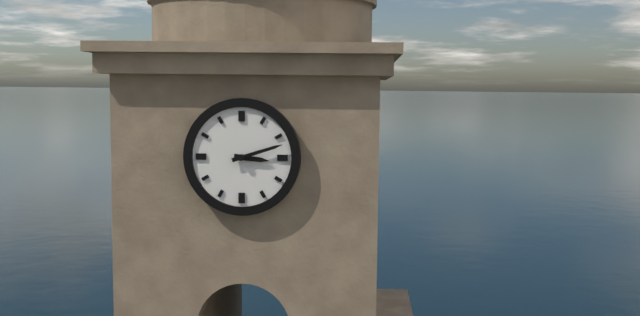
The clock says 3:12
